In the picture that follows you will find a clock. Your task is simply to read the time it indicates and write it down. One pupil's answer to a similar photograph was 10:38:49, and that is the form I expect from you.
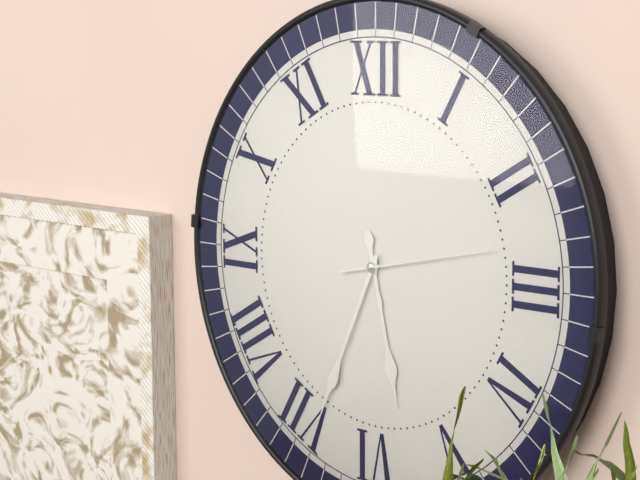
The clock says 5:34:13
